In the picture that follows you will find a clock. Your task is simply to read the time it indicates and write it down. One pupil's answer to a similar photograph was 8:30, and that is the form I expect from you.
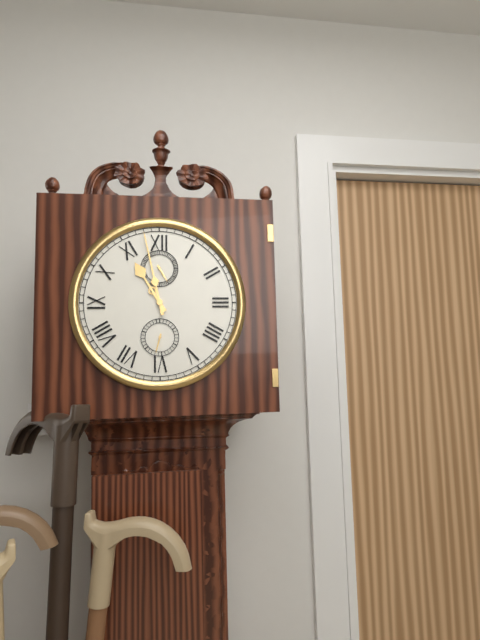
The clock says 10:58
